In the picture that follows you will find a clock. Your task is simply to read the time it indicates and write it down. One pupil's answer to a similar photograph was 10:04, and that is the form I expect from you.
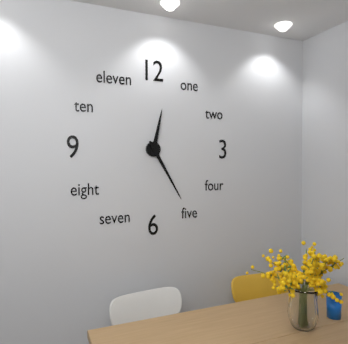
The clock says 12:25
